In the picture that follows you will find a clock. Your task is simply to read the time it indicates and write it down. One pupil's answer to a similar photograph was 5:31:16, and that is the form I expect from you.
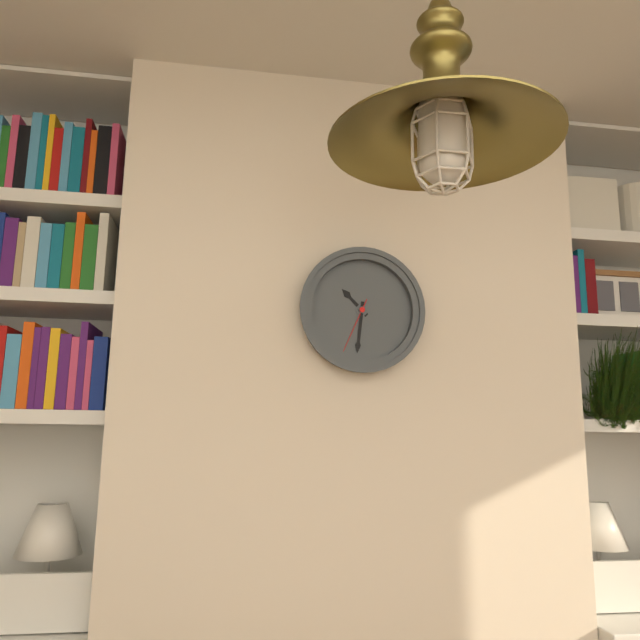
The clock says 10:31:34
